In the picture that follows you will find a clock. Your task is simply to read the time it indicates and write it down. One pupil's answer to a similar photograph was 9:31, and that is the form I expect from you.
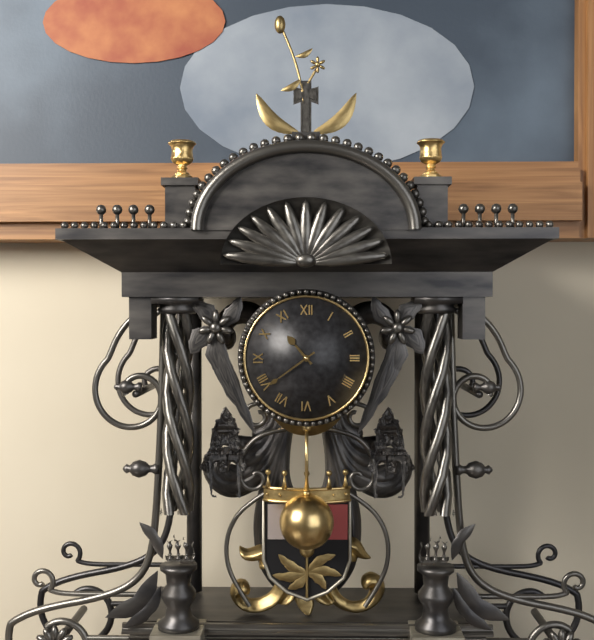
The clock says 10:39
